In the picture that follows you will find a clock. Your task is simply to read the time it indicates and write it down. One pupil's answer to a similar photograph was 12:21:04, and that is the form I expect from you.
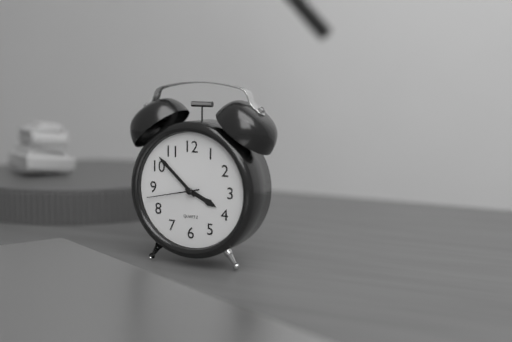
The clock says 3:52:43
